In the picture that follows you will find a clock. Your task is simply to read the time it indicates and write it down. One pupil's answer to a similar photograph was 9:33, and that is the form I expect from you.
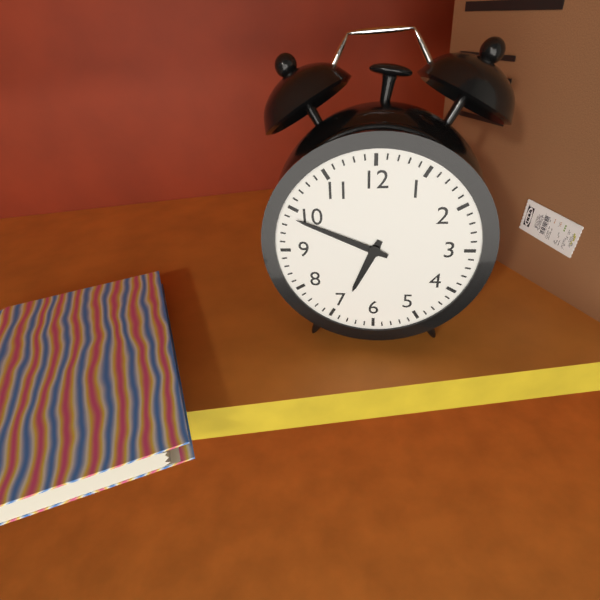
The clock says 6:49
